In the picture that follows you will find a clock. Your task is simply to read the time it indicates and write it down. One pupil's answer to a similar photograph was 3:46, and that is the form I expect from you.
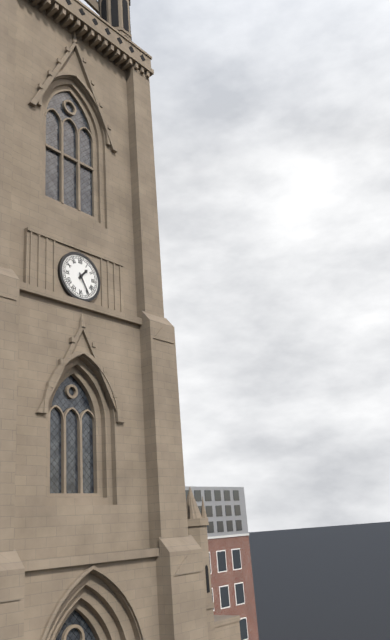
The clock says 1:25
